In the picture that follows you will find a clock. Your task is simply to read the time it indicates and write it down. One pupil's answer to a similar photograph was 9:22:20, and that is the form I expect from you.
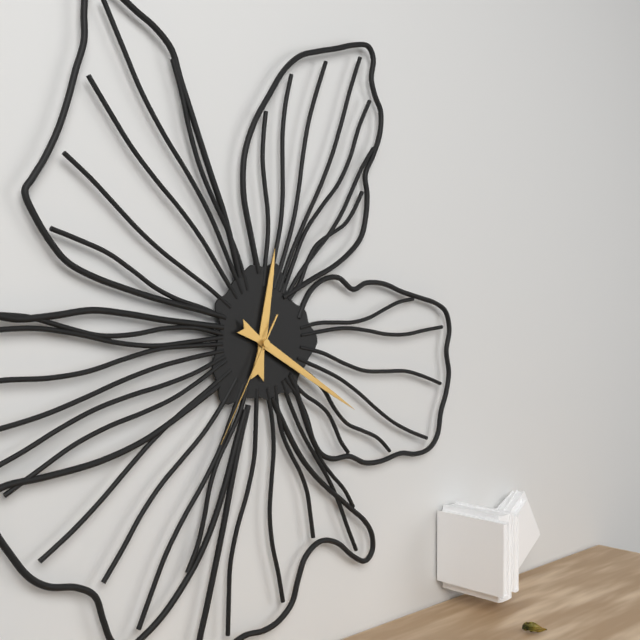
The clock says 12:20:35
